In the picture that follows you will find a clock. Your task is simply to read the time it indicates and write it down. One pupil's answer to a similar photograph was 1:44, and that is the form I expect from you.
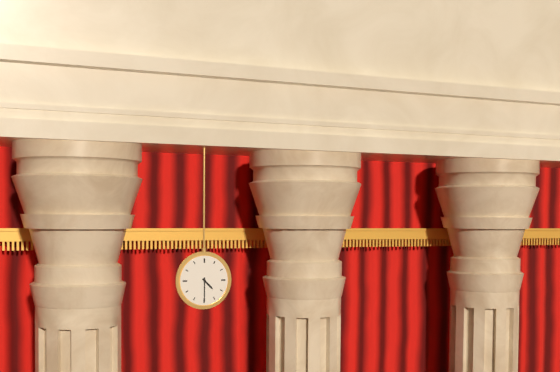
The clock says 4:30
